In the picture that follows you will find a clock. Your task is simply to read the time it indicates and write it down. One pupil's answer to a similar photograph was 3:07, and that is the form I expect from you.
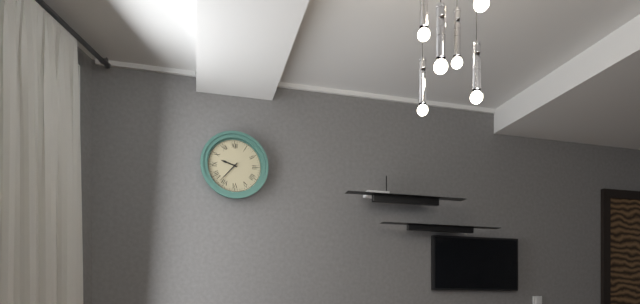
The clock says 9:37
